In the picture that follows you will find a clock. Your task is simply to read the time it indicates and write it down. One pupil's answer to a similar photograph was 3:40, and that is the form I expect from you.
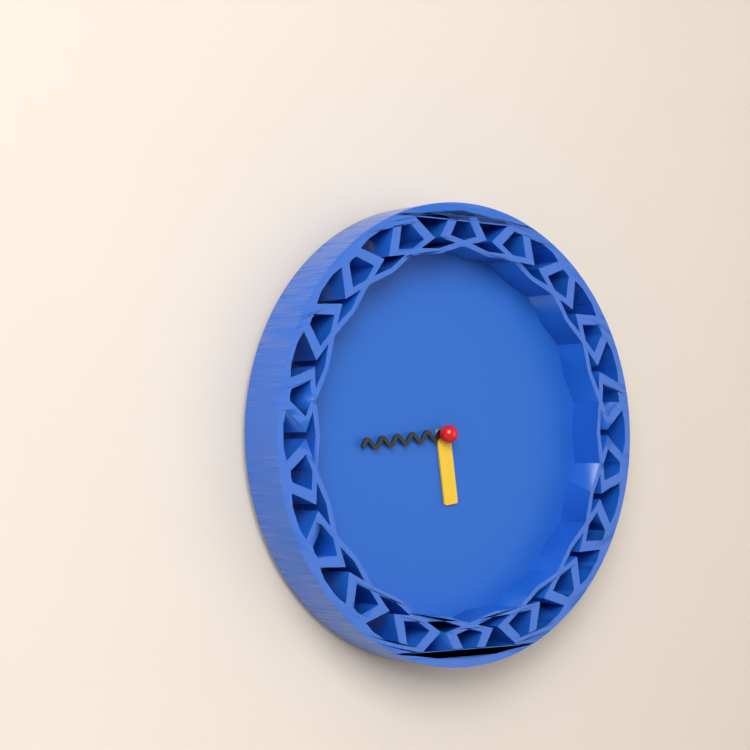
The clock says 5:44
